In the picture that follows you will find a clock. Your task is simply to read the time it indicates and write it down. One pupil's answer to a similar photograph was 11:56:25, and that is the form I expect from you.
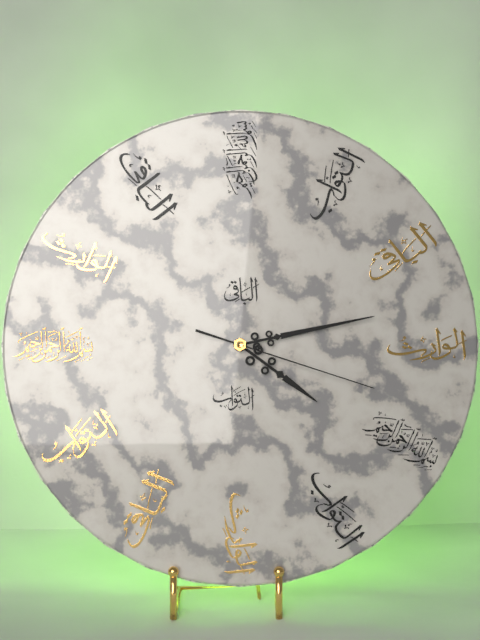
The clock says 4:13:18
